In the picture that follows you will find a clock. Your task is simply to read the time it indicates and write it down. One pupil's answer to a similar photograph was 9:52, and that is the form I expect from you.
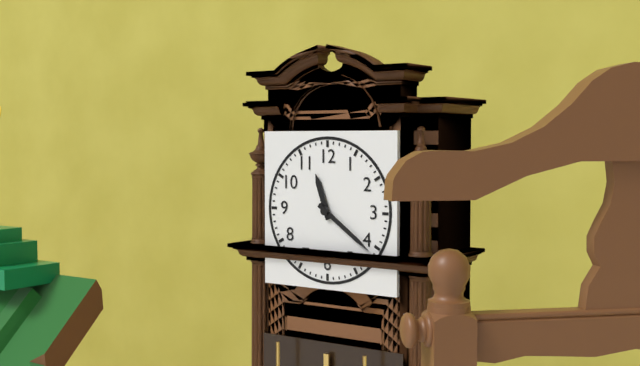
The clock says 11:21
